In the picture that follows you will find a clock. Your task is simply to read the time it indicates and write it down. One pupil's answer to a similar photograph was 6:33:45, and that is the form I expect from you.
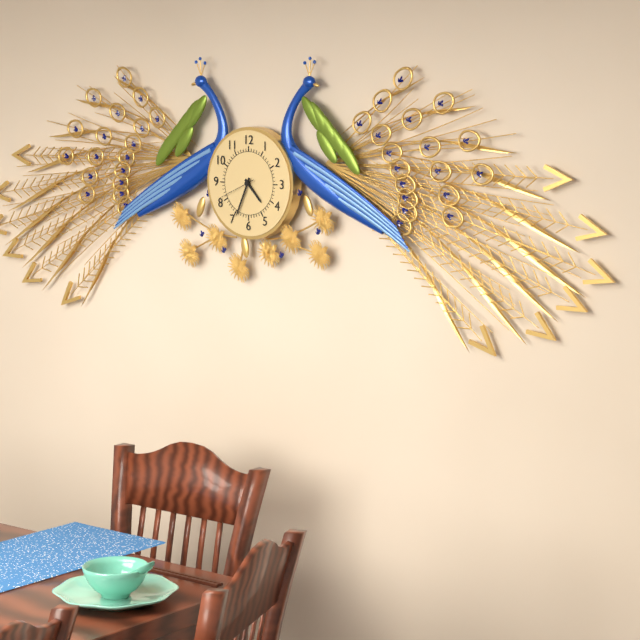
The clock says 4:34:41
